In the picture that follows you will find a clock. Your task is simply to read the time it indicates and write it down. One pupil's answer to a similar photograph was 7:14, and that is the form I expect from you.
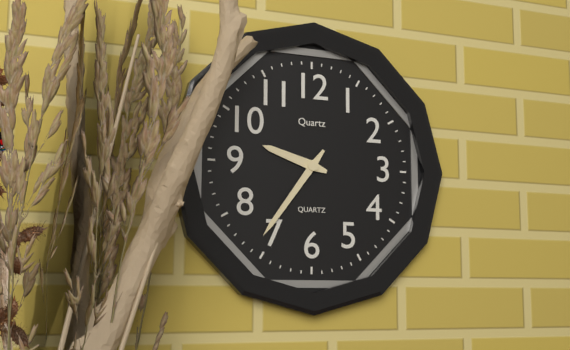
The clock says 9:36
